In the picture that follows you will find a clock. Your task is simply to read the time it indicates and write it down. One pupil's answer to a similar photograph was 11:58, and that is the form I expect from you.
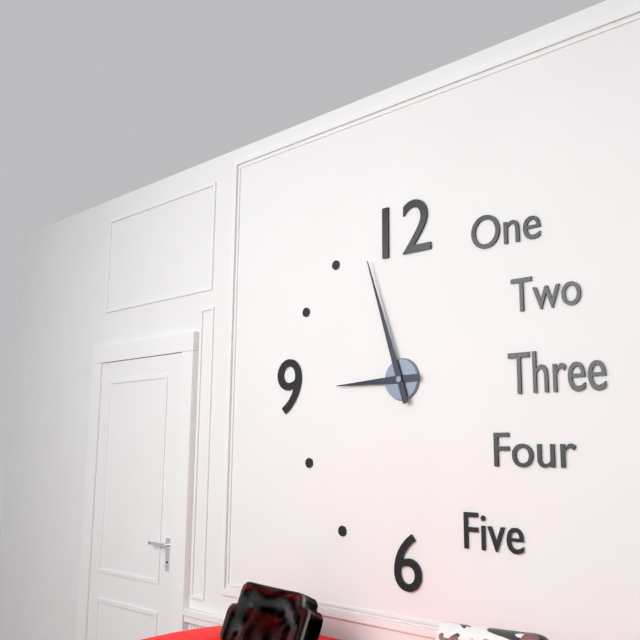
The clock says 8:57
